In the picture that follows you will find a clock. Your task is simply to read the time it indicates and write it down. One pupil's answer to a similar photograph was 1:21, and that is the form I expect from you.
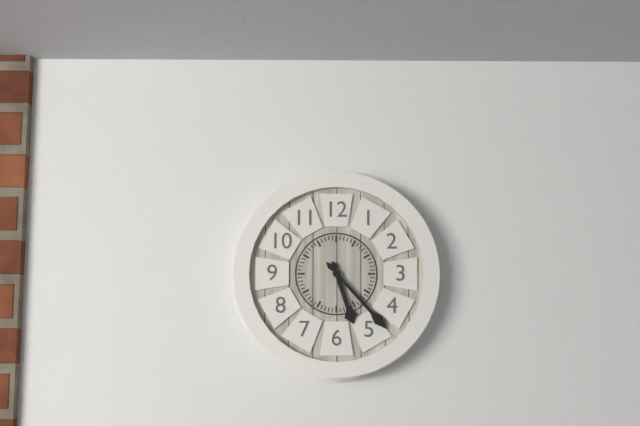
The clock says 5:23
